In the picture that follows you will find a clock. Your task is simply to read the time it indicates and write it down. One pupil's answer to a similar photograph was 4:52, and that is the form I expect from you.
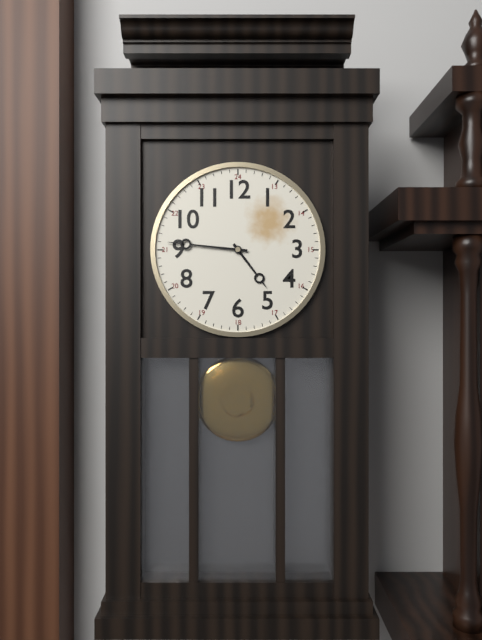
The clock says 4:46
